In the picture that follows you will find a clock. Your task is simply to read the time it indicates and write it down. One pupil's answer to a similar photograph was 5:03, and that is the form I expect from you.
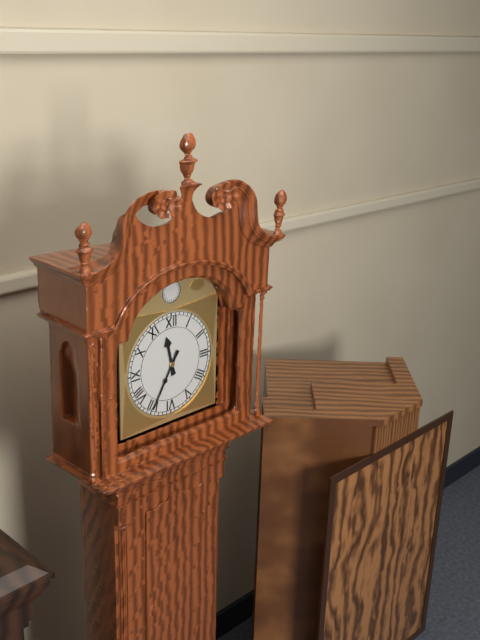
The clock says 11:35
